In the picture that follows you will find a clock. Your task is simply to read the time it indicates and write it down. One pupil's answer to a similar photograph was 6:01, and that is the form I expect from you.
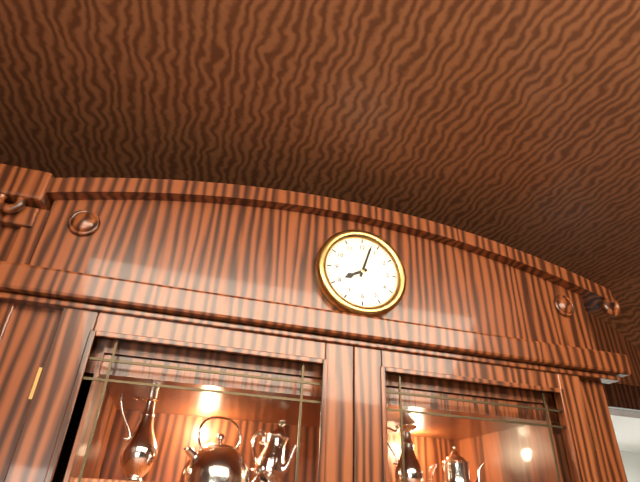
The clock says 8:03
